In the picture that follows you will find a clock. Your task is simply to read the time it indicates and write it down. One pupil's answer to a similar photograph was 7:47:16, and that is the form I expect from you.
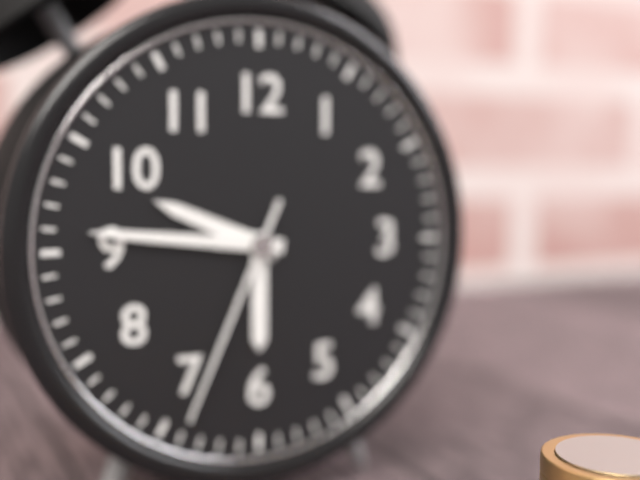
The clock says 9:46:34
